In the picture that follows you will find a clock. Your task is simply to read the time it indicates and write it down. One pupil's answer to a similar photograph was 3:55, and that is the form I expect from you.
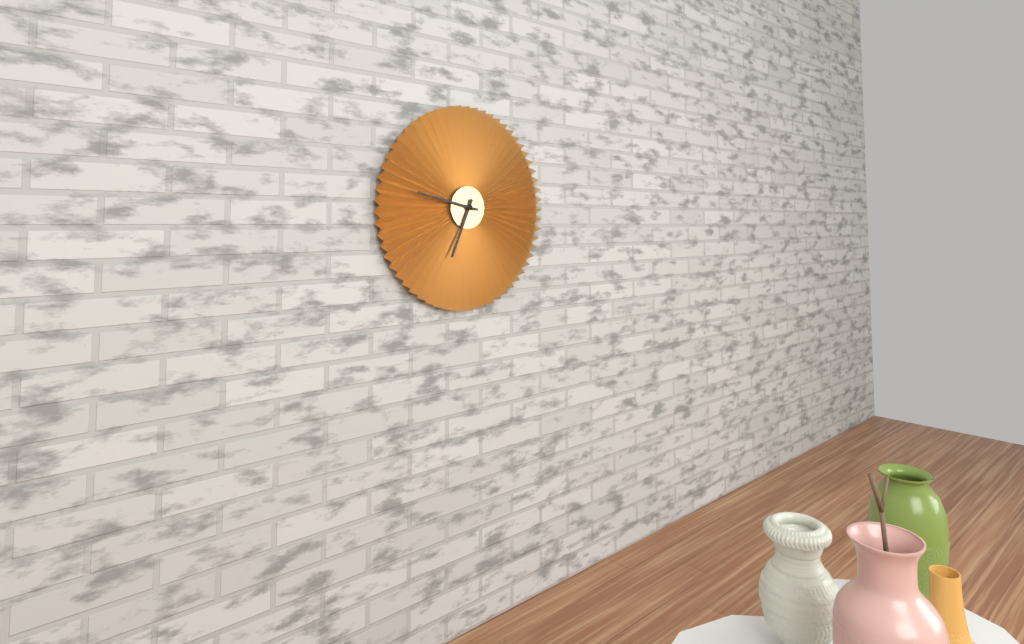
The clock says 6:47
